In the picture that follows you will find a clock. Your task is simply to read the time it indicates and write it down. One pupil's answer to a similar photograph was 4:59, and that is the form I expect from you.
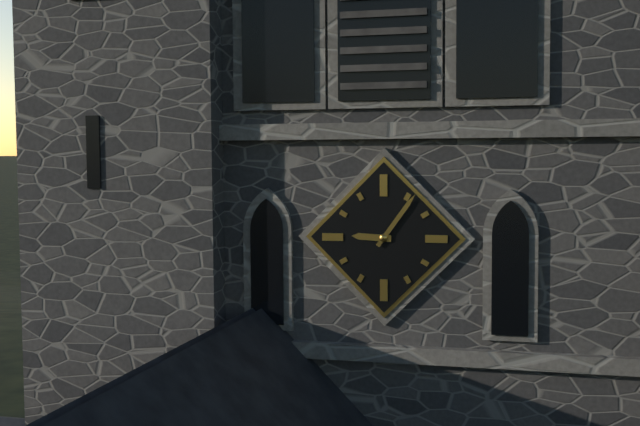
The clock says 9:06
